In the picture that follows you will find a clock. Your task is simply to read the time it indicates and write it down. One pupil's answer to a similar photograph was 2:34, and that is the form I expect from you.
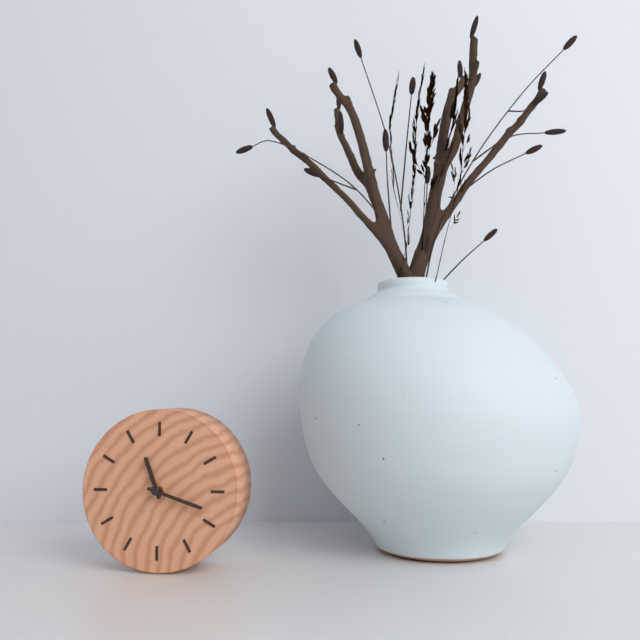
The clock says 11:18
